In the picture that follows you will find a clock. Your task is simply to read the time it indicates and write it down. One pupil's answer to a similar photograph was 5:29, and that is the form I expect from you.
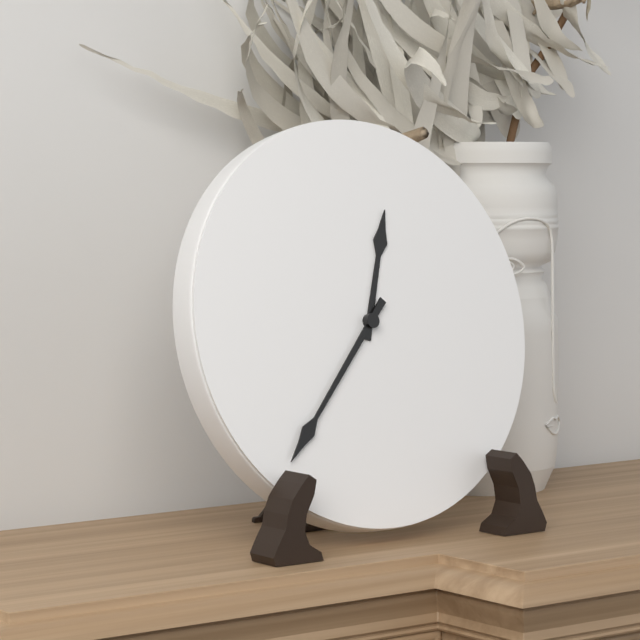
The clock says 12:37
